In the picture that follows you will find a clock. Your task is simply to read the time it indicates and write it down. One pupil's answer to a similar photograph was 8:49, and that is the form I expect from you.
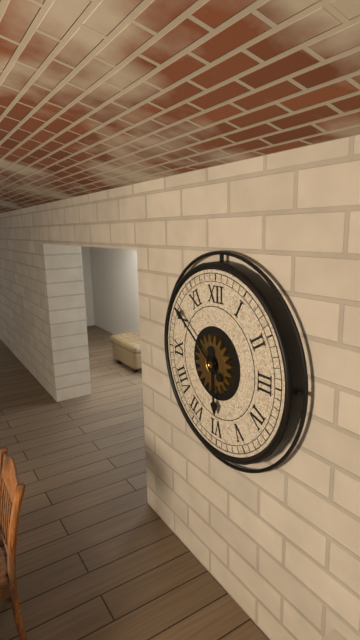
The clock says 5:51
